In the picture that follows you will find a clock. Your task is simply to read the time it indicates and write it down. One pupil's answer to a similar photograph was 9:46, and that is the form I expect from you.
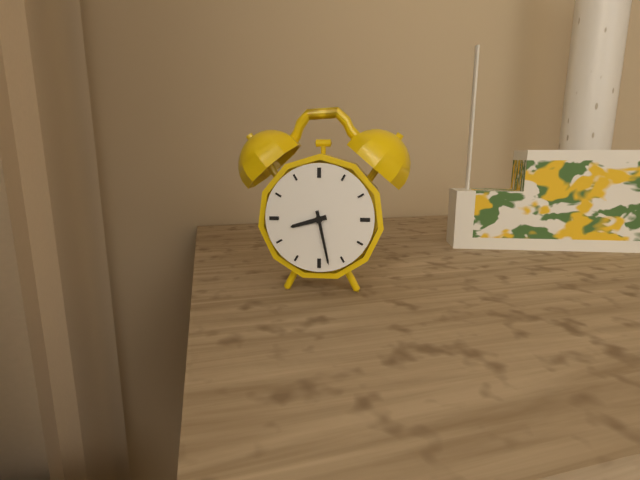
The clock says 8:28
